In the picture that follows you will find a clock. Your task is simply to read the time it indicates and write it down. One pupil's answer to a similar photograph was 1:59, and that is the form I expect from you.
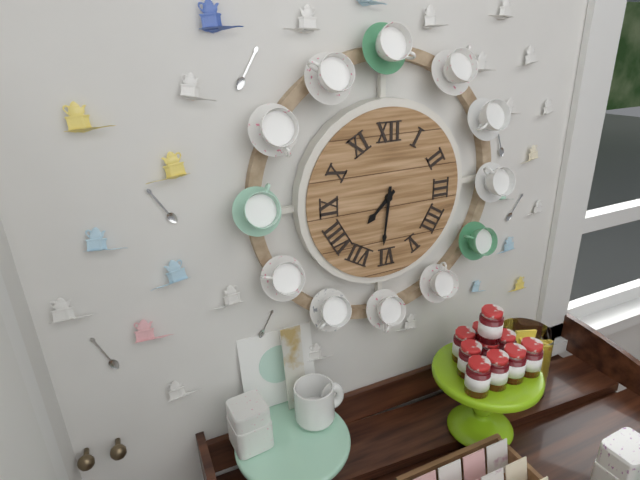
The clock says 7:31
